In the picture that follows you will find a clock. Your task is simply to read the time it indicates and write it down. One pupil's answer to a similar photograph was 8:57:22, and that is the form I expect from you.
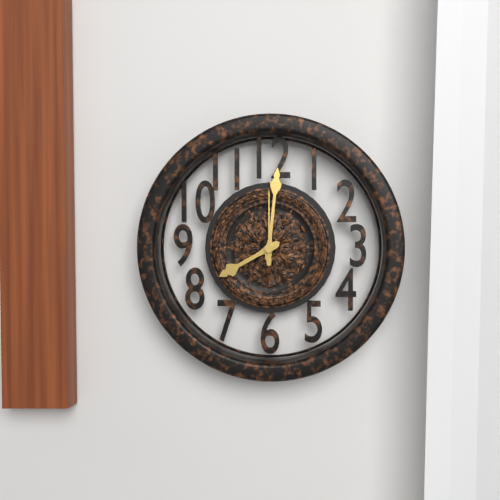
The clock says 8:01:00
